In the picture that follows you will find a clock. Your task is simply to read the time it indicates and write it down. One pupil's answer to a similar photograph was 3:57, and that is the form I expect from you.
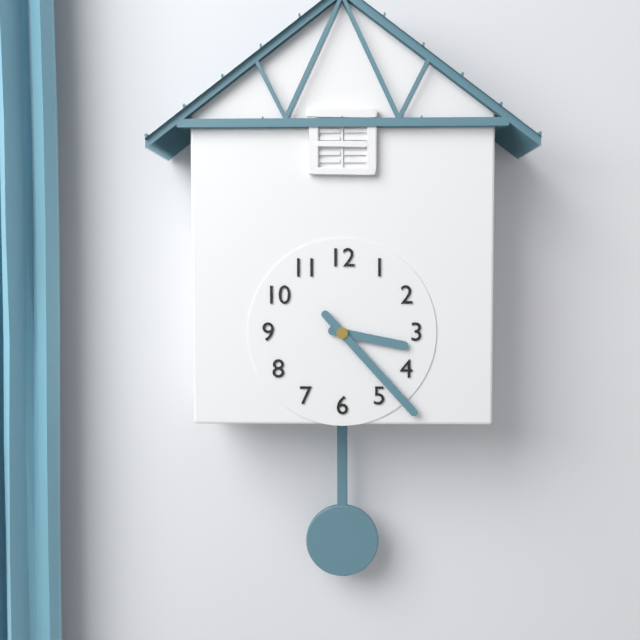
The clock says 3:23
